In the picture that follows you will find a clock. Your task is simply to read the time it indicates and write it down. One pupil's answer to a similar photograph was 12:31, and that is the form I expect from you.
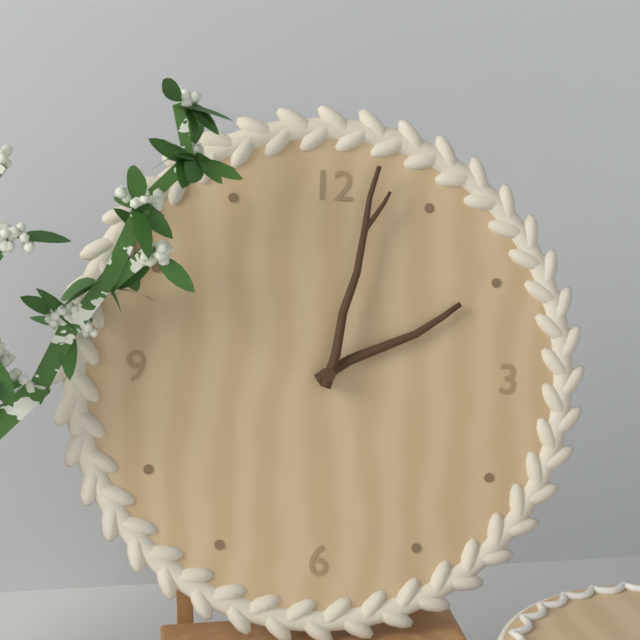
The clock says 2:02
